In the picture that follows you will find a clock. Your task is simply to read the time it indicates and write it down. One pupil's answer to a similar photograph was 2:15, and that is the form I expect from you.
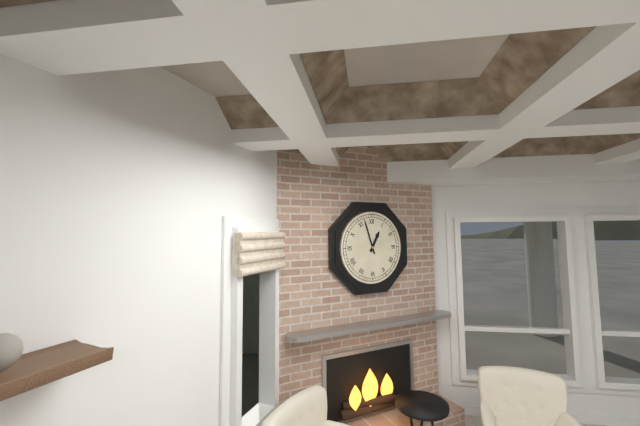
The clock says 12:57
